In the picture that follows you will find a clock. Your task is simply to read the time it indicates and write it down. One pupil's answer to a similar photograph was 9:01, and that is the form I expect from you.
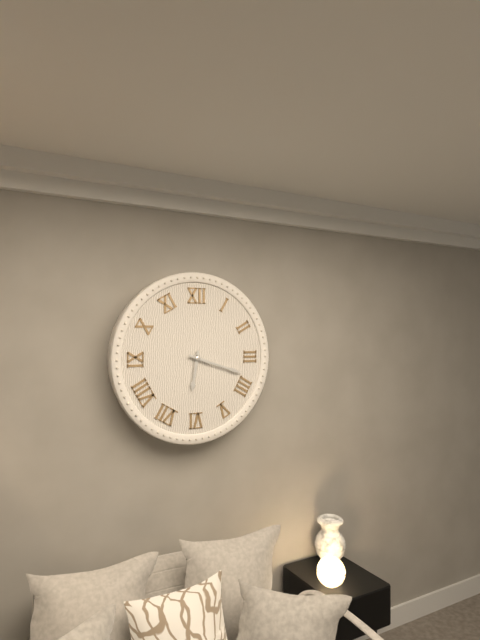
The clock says 6:18
